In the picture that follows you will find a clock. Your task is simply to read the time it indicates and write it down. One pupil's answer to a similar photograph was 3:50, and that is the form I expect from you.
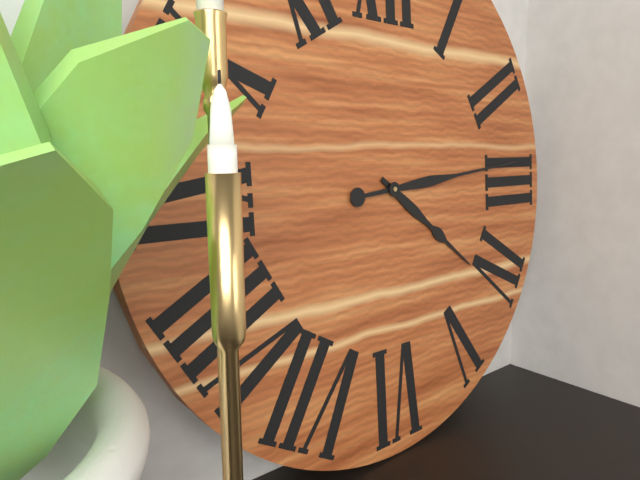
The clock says 4:14
